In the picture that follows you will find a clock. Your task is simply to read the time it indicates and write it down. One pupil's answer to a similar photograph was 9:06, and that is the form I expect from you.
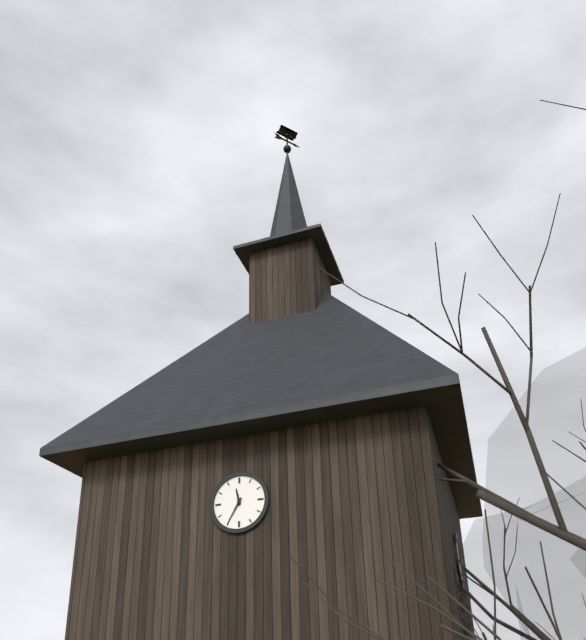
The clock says 11:35
